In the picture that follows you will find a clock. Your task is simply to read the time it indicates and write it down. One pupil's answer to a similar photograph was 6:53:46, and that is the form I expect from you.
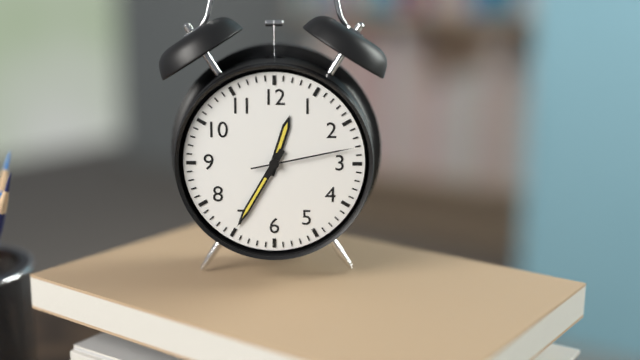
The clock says 12:35:13
